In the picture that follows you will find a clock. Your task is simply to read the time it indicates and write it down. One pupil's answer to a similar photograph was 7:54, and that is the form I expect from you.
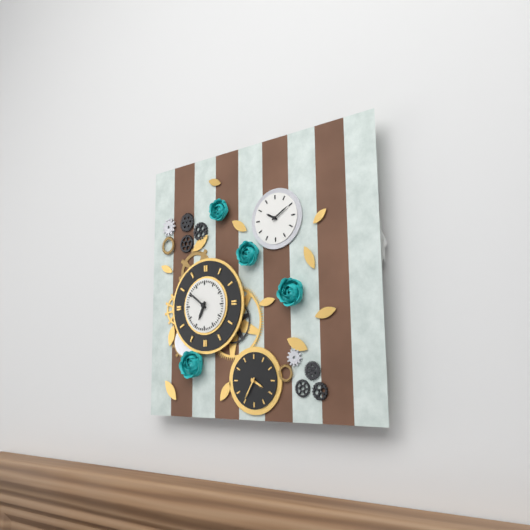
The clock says 6:51
